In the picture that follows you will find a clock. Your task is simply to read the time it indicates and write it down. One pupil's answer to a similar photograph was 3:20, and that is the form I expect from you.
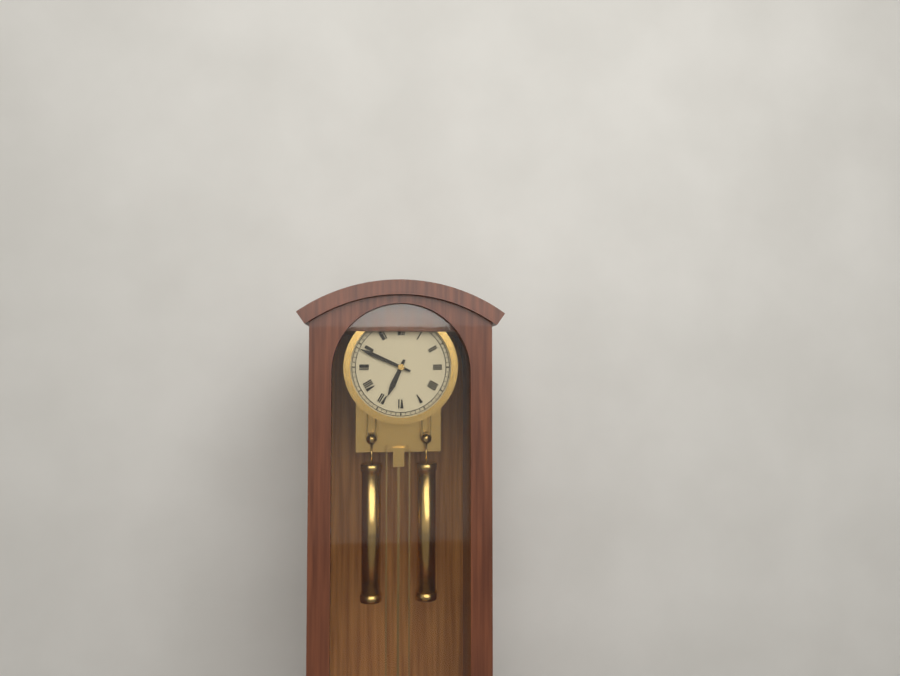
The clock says 6:49
